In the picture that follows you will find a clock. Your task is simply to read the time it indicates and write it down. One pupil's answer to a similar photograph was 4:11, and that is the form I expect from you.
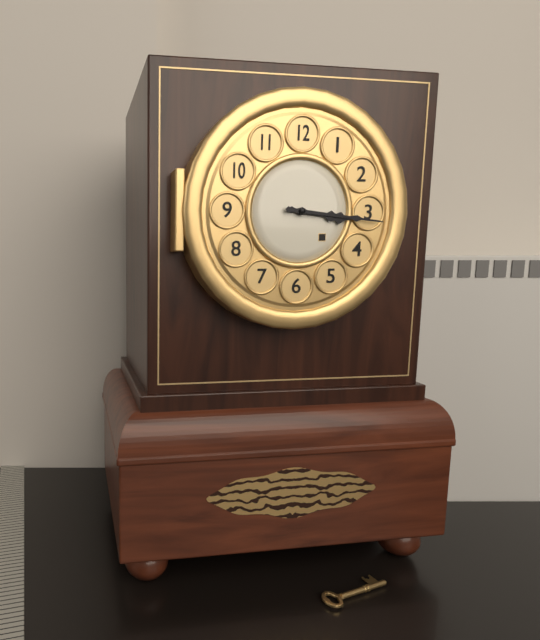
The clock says 3:16
